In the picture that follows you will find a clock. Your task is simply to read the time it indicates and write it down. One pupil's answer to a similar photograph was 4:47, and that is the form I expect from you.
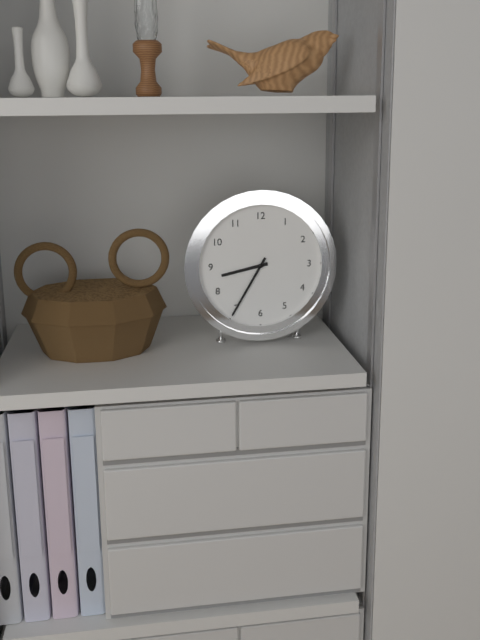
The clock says 8:35
